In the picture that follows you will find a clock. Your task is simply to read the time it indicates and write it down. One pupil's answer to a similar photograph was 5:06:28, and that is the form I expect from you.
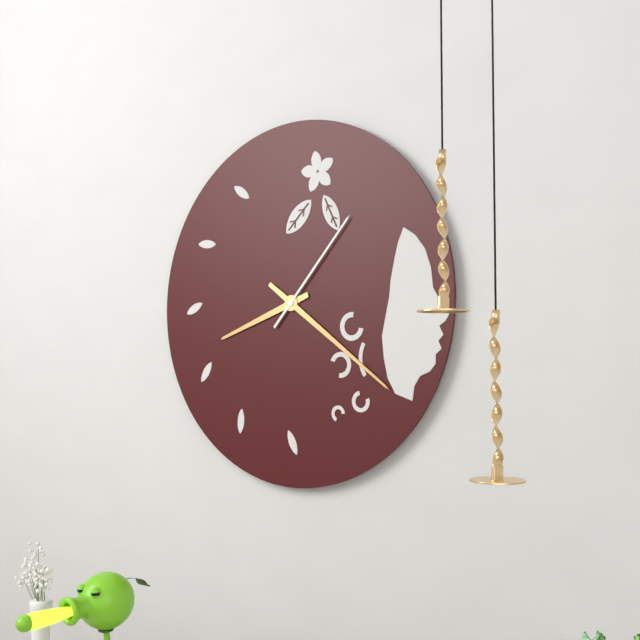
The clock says 8:21:07
